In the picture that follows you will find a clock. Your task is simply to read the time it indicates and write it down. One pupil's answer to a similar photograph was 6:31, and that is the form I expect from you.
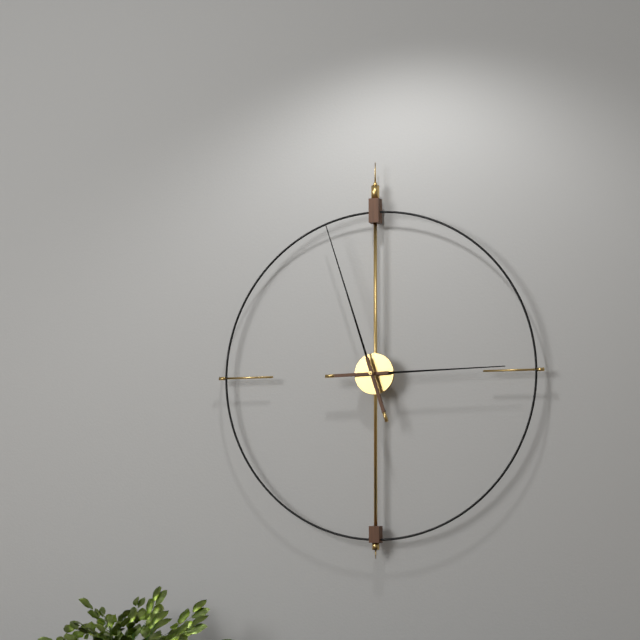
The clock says 2:57
